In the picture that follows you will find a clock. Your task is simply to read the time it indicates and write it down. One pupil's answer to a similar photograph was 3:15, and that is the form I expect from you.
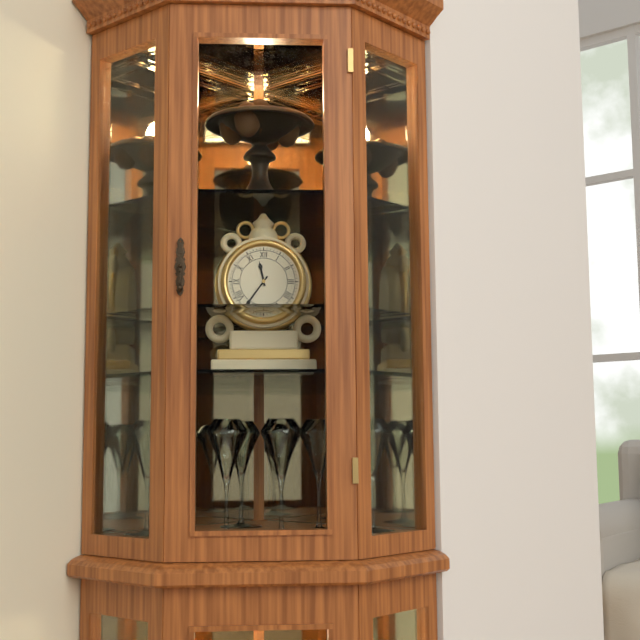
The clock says 11:36
